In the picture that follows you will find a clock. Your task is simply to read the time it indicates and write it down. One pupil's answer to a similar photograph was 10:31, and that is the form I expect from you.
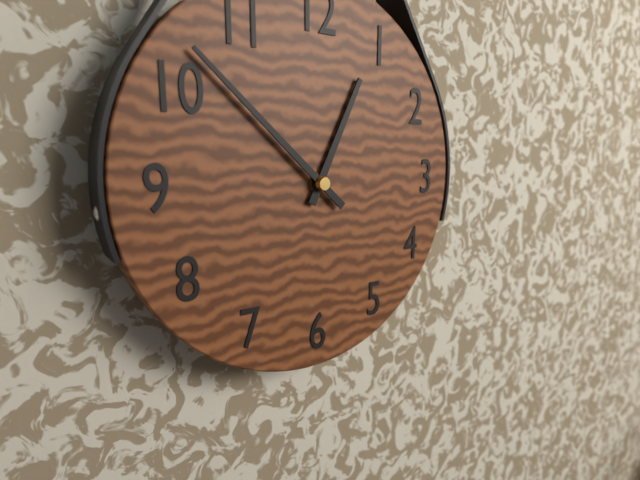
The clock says 12:52
